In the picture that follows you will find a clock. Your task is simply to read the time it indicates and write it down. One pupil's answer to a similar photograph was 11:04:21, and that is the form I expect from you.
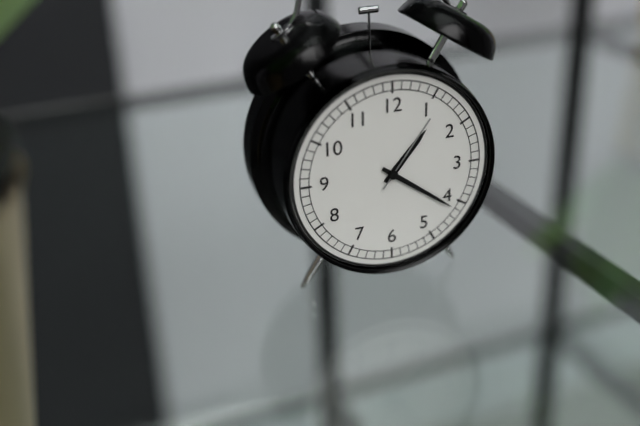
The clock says 1:21:06
